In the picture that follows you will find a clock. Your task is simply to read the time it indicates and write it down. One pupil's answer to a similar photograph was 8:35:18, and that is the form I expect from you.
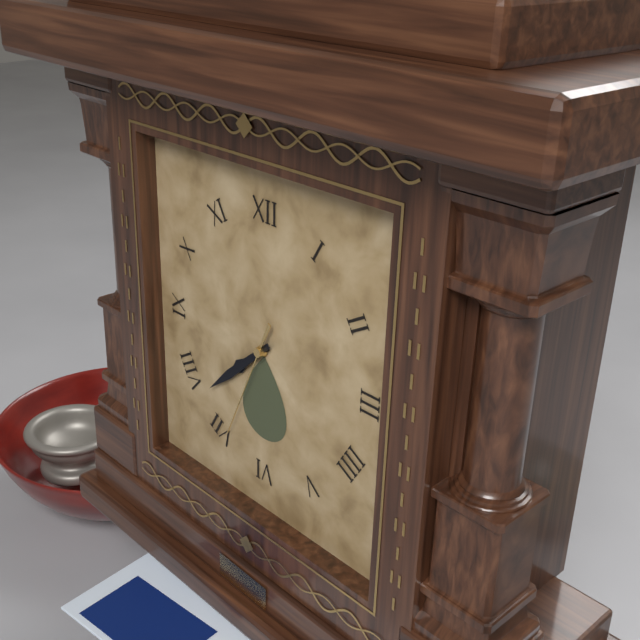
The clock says 7:38:34
